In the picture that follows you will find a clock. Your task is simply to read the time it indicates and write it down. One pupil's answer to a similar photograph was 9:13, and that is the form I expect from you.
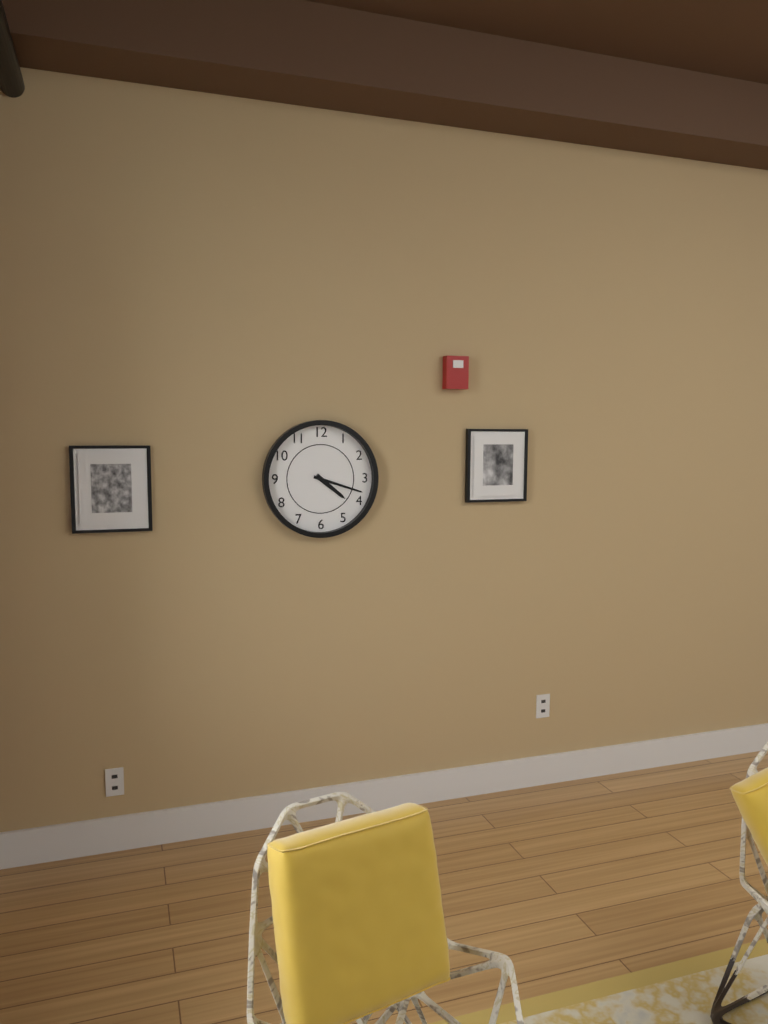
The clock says 4:18
